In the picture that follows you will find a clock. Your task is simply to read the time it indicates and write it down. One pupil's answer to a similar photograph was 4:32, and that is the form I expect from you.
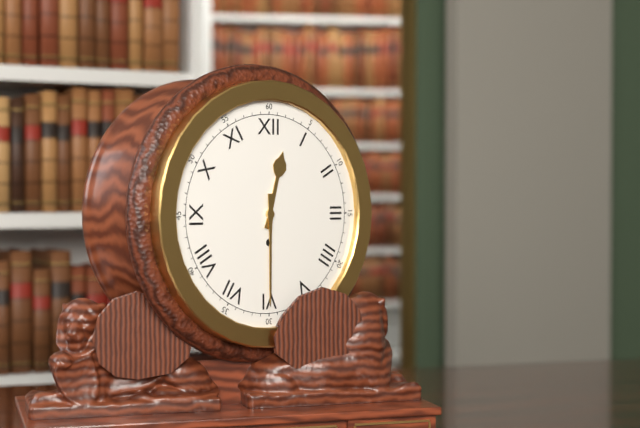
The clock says 12:30
